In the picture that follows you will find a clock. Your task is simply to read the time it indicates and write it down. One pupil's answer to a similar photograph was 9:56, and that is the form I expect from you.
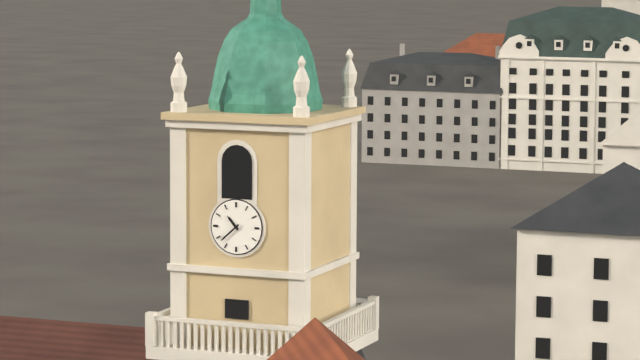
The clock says 10:38
